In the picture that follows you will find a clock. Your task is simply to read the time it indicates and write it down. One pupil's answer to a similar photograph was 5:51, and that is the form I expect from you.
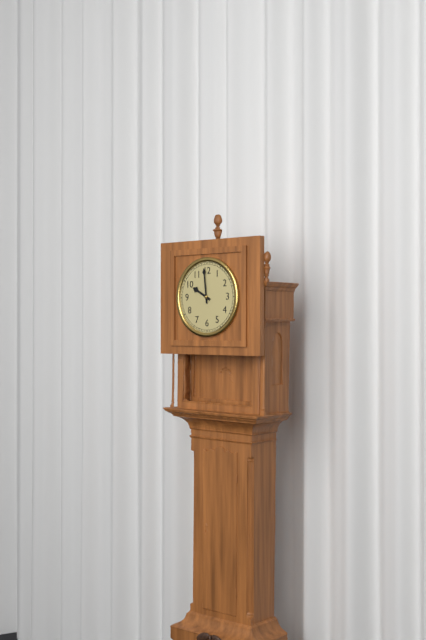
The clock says 9:59
